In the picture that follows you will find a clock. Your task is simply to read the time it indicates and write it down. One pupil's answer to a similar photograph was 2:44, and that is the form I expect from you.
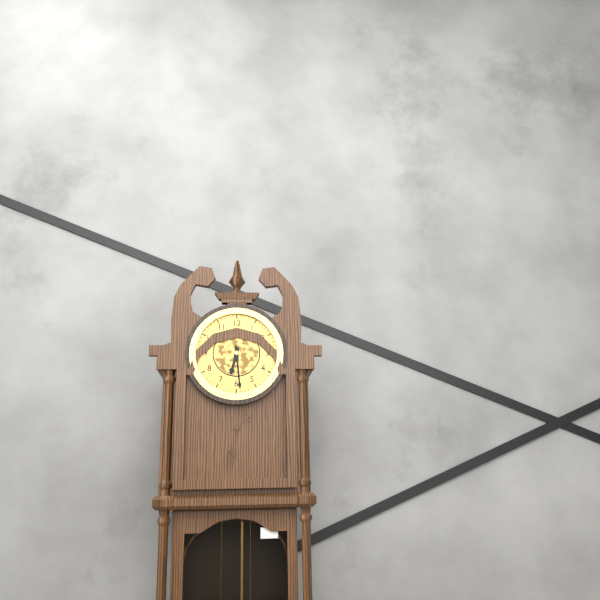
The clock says 6:29
